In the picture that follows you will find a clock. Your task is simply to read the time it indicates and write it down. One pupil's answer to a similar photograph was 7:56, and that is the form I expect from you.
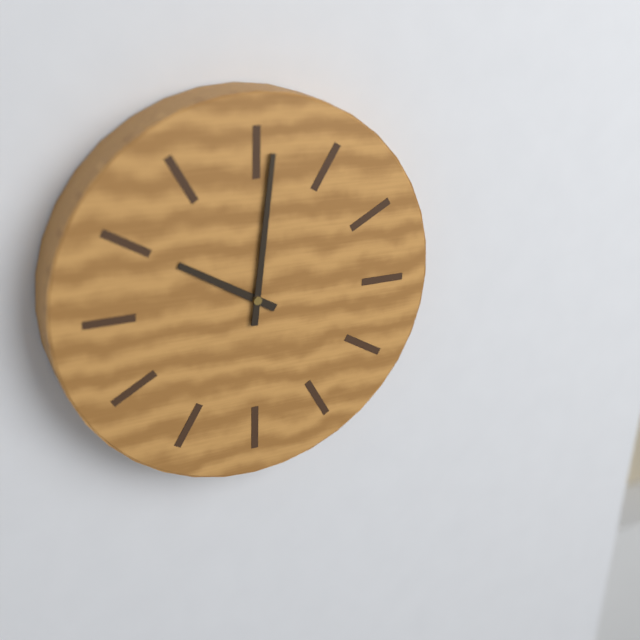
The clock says 10:01
